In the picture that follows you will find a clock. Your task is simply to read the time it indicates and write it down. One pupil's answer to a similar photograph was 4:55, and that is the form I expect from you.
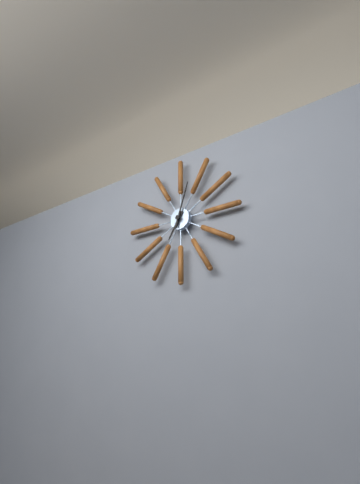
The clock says 7:03
